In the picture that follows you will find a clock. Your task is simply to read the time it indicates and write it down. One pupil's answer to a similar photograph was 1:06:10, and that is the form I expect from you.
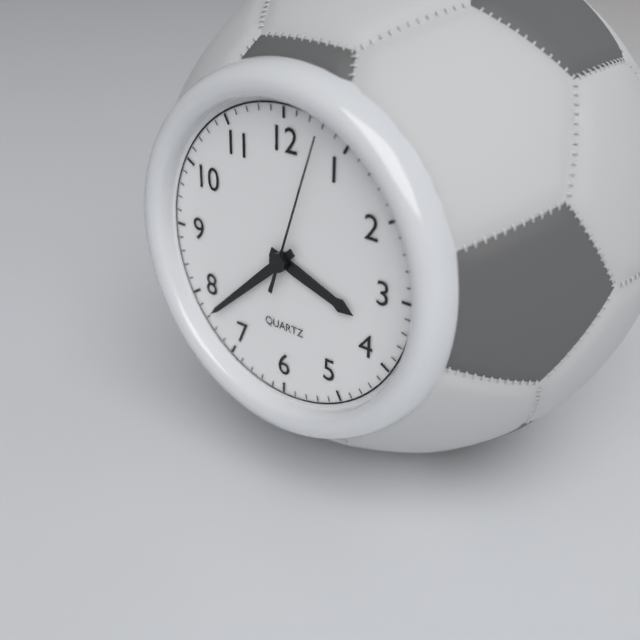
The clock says 3:38:03
